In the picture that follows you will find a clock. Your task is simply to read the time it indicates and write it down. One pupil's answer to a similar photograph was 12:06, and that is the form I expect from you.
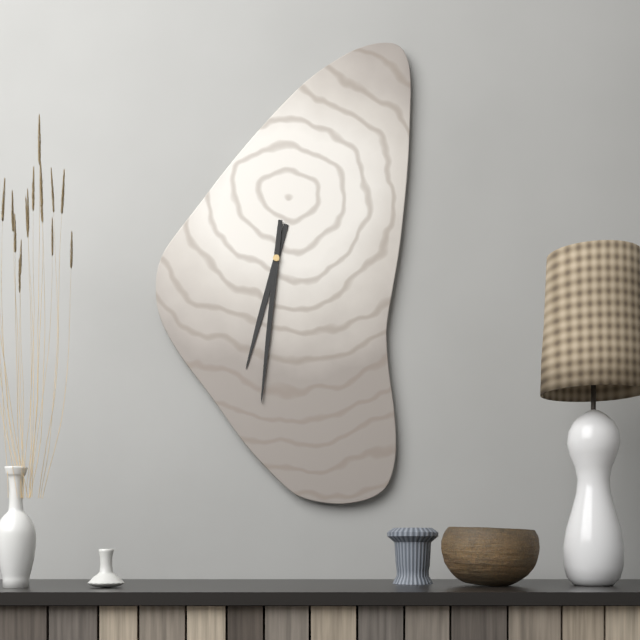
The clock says 6:31
